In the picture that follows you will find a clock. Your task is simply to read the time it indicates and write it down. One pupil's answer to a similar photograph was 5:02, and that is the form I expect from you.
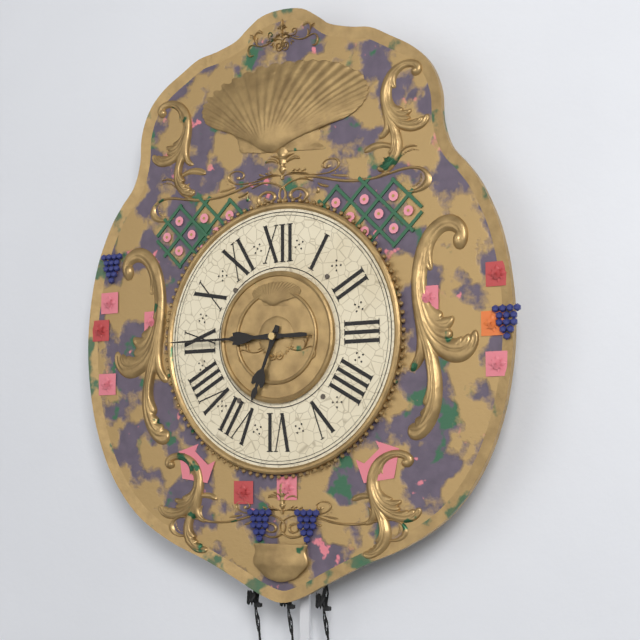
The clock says 6:45
